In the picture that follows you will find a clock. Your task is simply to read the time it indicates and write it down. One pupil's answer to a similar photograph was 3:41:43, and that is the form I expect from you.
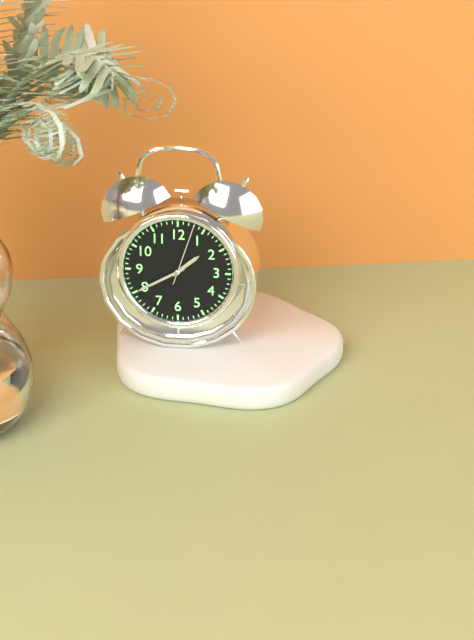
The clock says 1:40:03
